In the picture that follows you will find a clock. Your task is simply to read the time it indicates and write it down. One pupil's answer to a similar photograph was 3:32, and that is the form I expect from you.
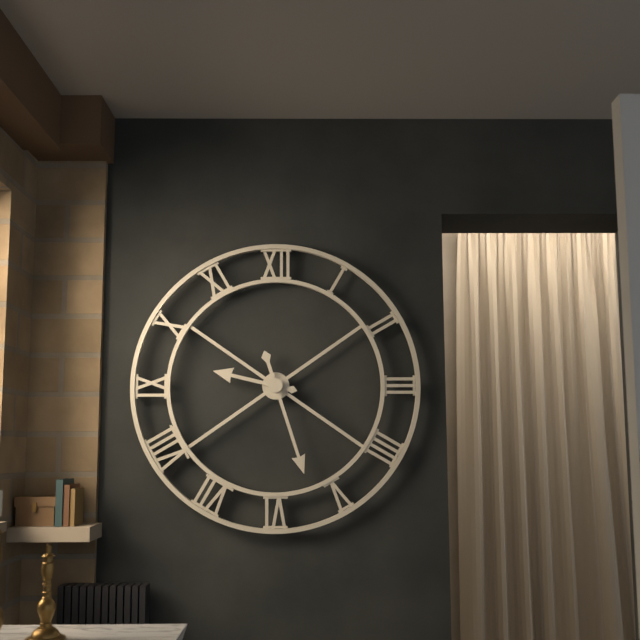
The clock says 9:27
